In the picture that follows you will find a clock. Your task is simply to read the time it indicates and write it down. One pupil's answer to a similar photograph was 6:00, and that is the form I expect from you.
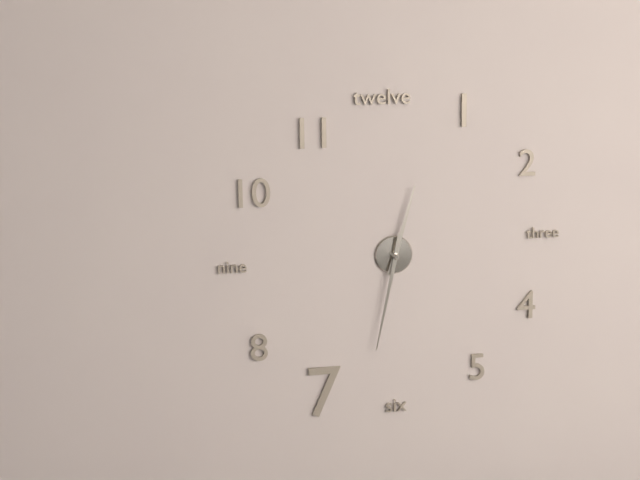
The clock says 12:32
